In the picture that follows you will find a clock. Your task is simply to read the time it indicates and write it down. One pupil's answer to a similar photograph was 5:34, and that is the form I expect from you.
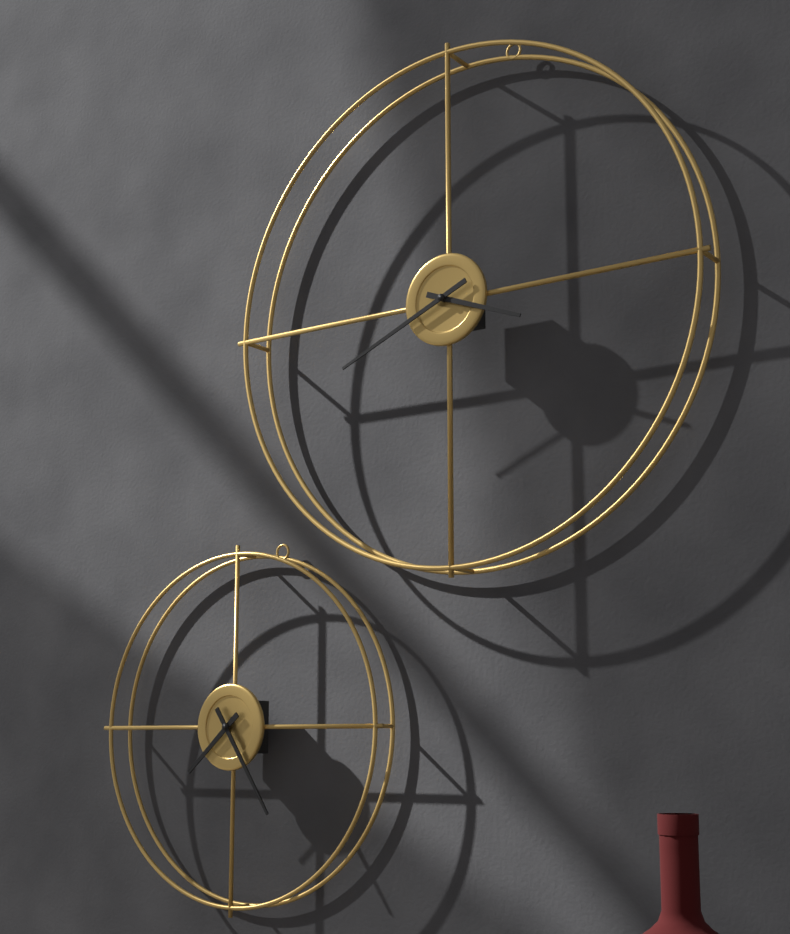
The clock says 3:41
